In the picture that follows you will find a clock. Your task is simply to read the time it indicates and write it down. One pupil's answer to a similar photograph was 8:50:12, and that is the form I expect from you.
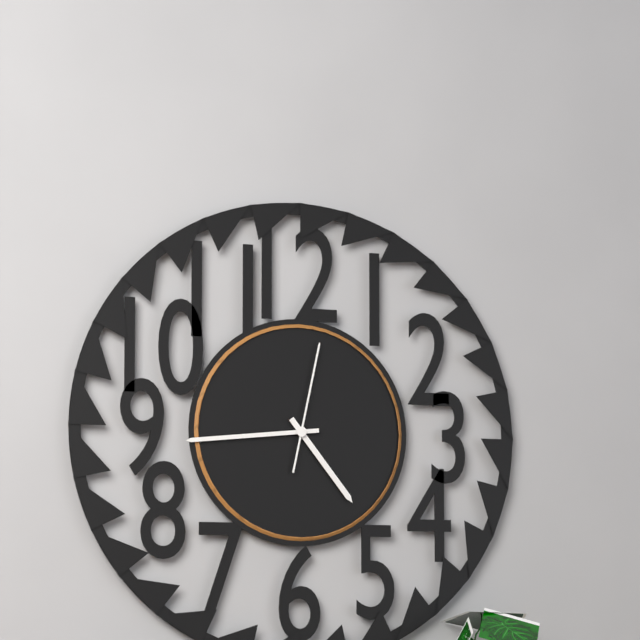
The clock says 4:44:02
